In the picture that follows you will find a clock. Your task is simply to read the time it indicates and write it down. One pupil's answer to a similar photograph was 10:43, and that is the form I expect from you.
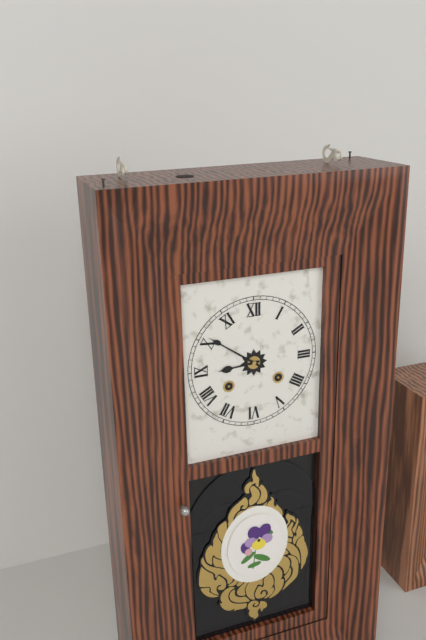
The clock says 8:51
